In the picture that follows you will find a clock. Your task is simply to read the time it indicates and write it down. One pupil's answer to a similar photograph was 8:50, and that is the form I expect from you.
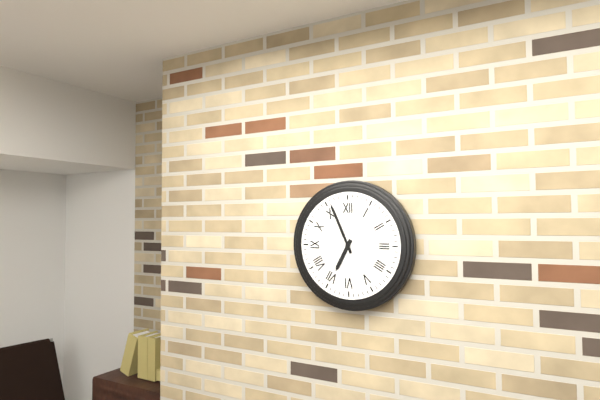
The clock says 6:56
